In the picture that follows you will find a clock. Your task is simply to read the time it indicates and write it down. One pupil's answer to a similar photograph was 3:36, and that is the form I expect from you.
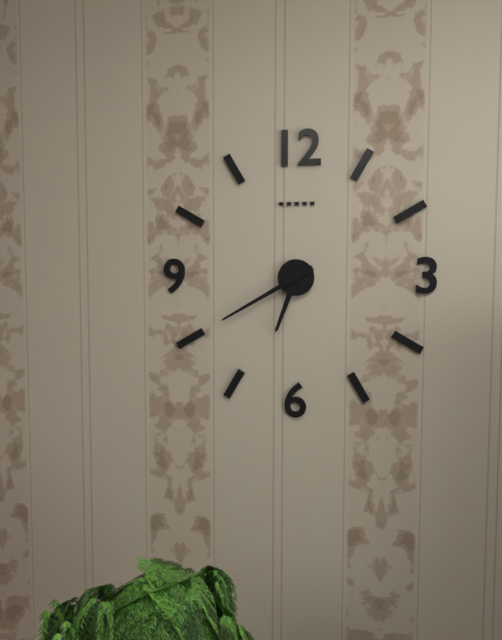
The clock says 6:40
